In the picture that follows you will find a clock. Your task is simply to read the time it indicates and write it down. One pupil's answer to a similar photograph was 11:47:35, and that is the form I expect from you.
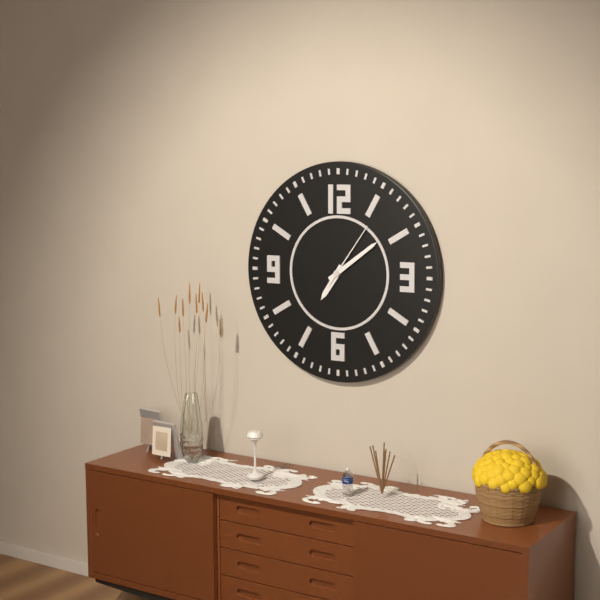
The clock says 7:09:06
